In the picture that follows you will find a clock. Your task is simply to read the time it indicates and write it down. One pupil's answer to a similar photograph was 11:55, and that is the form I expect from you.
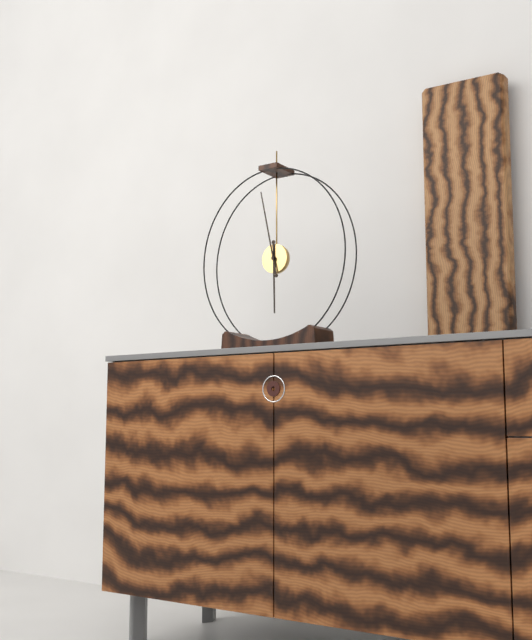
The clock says 5:58
